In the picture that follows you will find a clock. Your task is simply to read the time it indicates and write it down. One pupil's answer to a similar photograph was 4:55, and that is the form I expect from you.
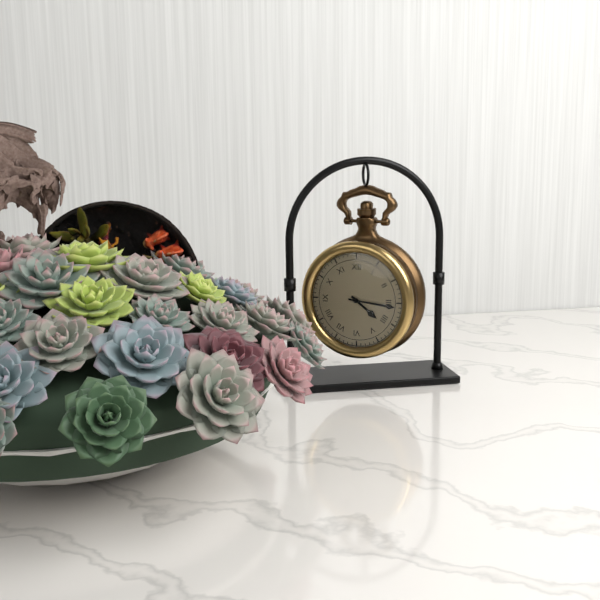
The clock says 4:16
